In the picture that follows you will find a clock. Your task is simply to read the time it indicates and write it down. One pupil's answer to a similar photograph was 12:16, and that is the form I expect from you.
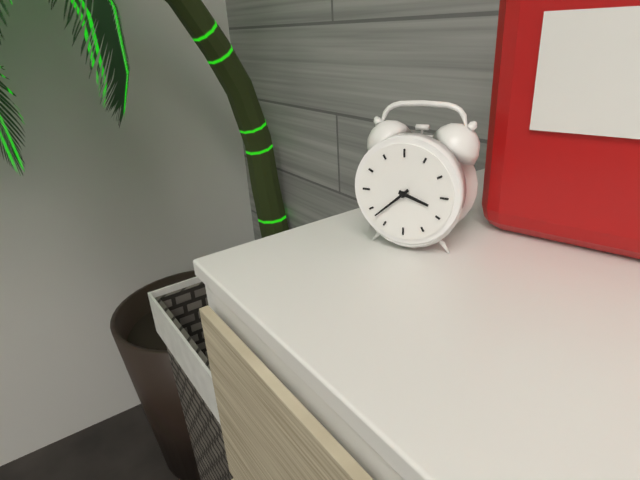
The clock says 3:38
